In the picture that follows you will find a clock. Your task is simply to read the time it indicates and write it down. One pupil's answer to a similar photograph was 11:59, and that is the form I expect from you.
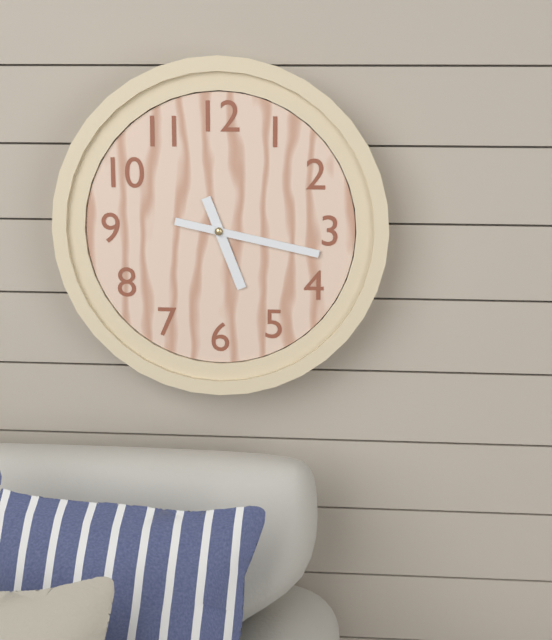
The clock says 5:17
